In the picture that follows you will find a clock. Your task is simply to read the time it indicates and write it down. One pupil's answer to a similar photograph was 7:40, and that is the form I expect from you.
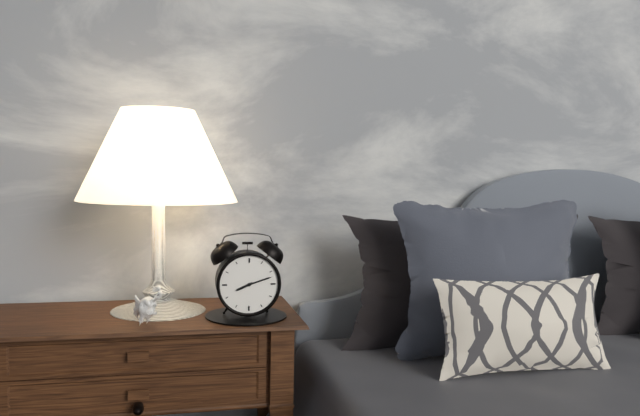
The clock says 8:12
